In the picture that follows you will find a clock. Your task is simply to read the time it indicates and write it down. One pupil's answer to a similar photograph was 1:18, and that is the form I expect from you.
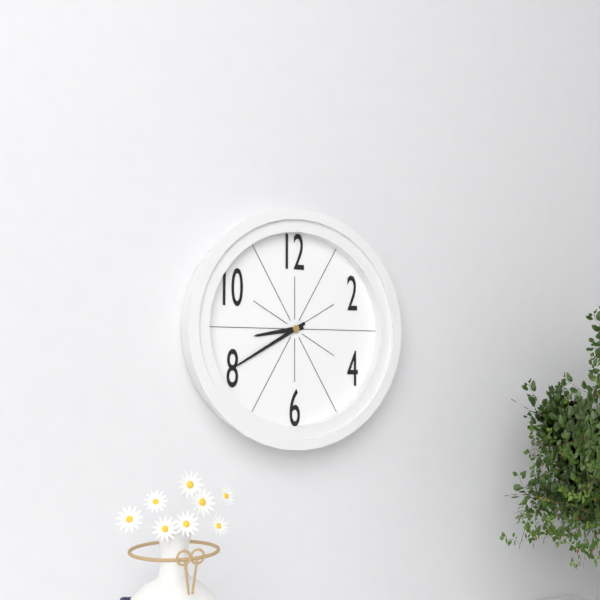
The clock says 8:40
